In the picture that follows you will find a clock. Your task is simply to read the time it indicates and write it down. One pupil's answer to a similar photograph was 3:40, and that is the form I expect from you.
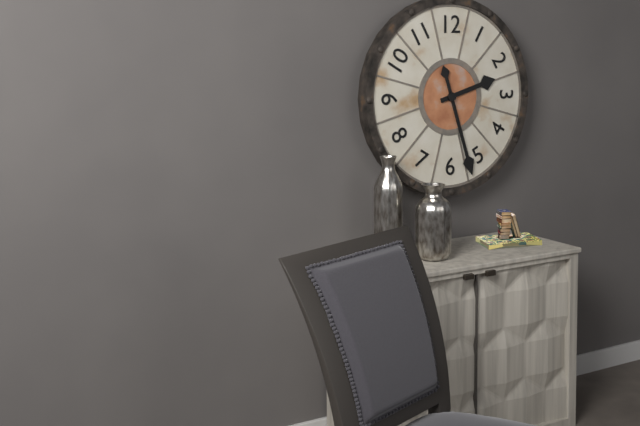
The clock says 2:27
